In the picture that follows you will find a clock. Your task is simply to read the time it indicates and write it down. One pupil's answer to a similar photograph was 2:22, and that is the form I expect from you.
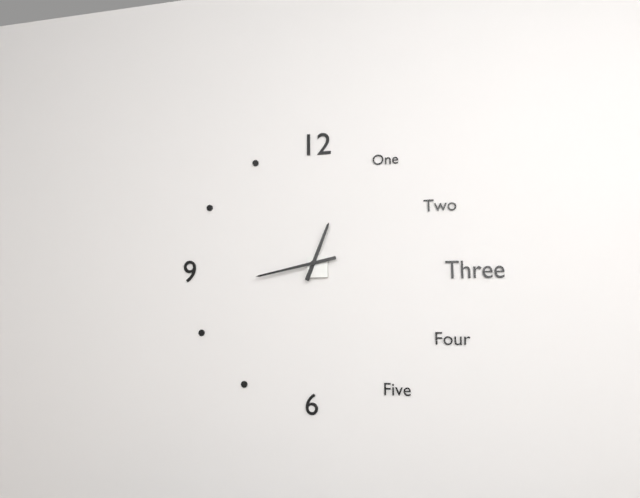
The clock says 12:43
